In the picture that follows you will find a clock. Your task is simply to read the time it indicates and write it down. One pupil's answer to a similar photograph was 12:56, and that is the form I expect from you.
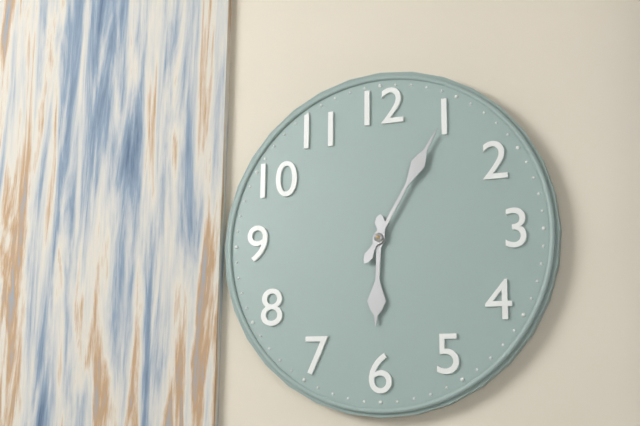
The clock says 6:05
